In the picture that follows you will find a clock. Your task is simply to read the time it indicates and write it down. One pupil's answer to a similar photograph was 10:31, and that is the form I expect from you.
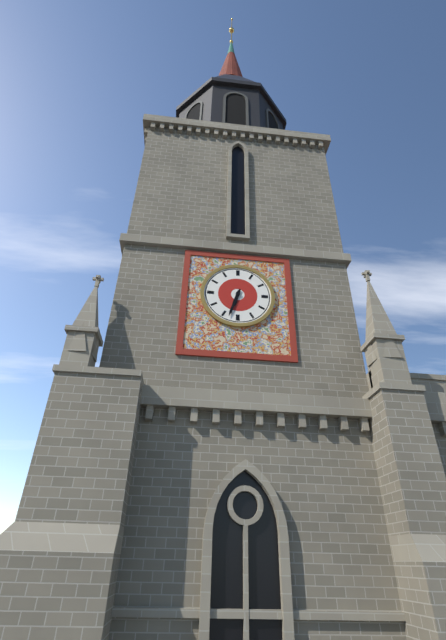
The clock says 6:33
